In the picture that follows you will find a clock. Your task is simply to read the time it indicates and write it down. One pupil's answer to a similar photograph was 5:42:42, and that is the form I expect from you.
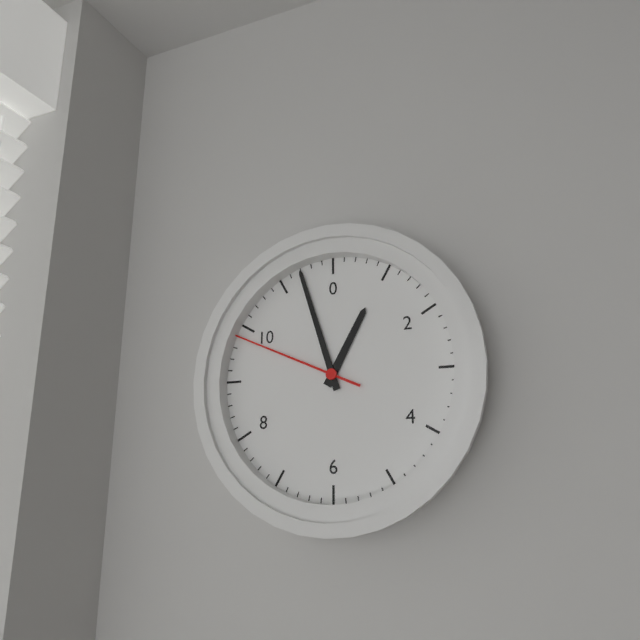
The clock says 12:57:49
